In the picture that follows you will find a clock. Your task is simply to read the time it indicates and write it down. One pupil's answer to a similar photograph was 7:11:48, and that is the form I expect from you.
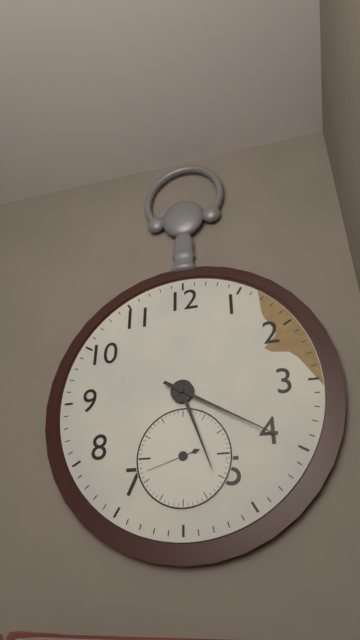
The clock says 5:20:42
